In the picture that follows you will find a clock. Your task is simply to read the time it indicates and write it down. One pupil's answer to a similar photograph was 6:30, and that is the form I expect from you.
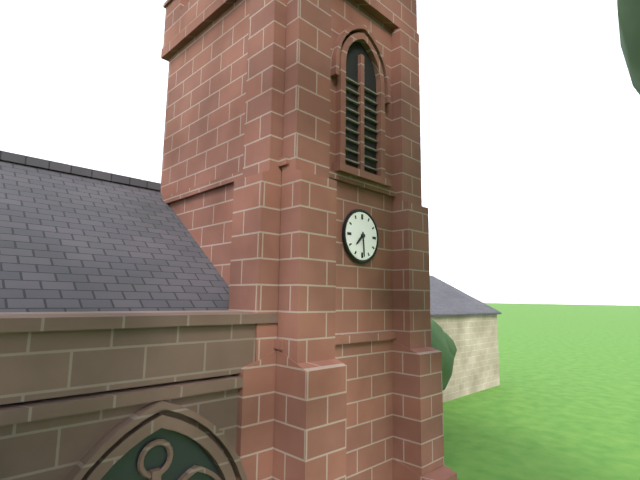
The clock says 7:29
